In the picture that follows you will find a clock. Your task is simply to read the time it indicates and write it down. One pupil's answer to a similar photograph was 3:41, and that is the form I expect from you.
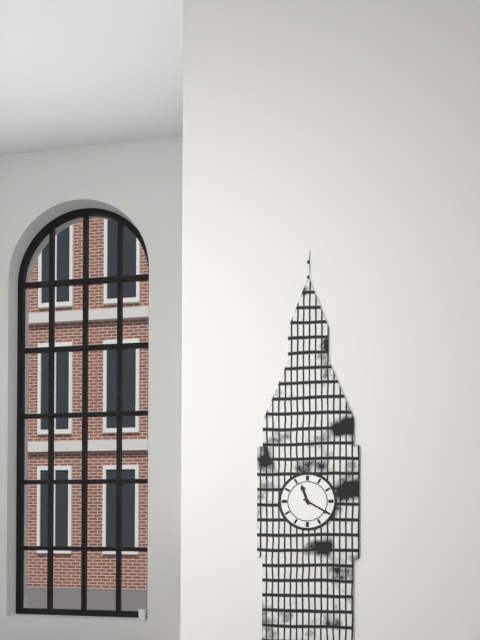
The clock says 11:20
